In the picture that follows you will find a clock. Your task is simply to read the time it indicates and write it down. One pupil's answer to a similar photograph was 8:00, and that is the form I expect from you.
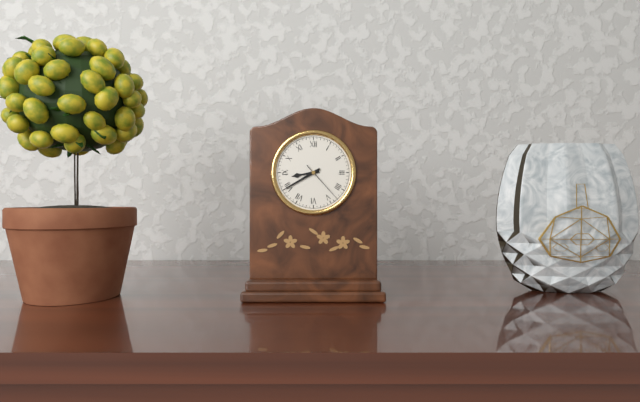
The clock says 8:40
